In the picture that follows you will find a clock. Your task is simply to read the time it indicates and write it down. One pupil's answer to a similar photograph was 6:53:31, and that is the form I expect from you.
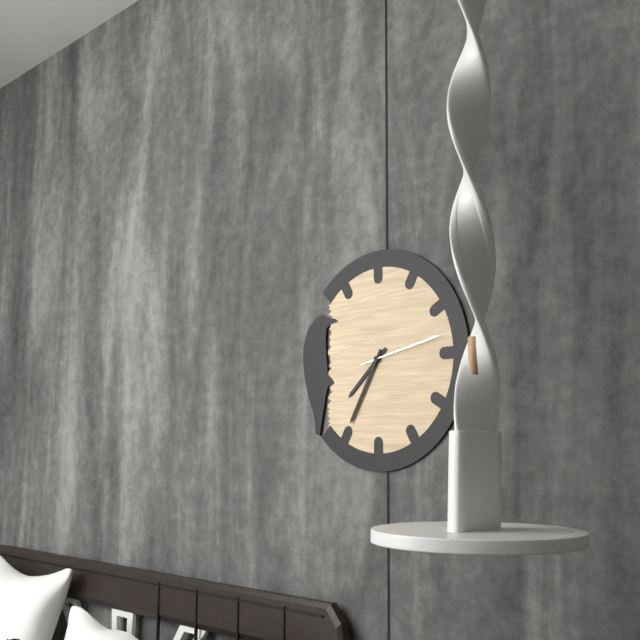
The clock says 7:35:13
